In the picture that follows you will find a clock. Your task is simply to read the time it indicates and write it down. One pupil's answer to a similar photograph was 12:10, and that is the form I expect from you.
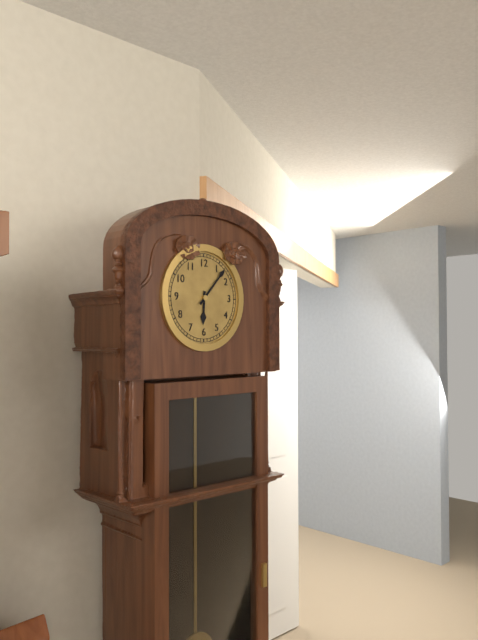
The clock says 6:07
